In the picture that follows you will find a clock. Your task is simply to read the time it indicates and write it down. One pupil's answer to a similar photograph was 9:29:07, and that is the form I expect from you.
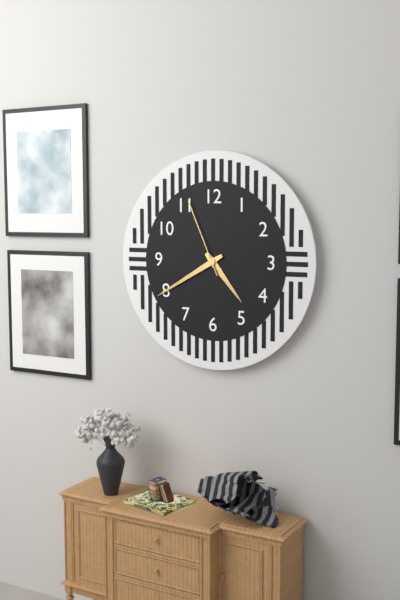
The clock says 4:40:56
